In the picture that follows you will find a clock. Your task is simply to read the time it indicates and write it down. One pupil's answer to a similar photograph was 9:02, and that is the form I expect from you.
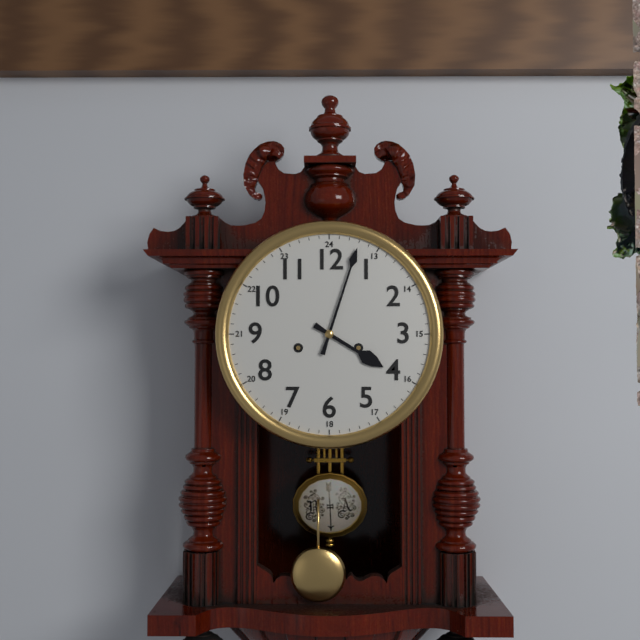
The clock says 4:03
